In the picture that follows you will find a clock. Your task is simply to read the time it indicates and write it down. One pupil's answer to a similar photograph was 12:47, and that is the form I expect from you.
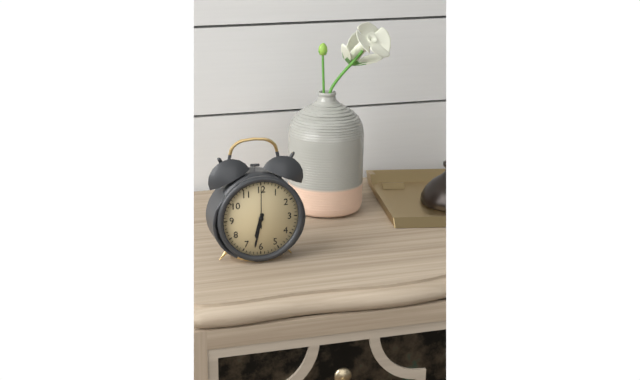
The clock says 6:32
